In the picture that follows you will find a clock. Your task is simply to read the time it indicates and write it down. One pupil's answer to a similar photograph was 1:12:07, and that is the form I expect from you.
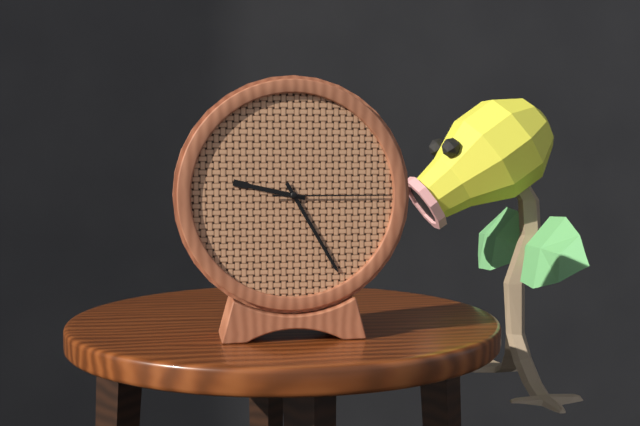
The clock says 9:25:15
